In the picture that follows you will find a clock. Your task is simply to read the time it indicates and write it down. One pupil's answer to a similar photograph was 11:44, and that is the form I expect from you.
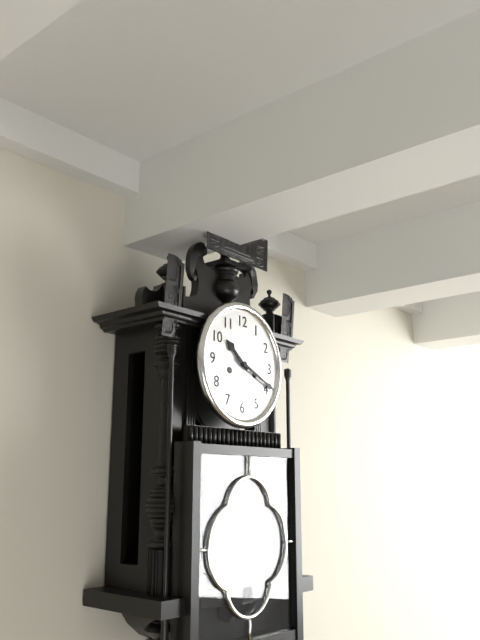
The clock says 10:19
